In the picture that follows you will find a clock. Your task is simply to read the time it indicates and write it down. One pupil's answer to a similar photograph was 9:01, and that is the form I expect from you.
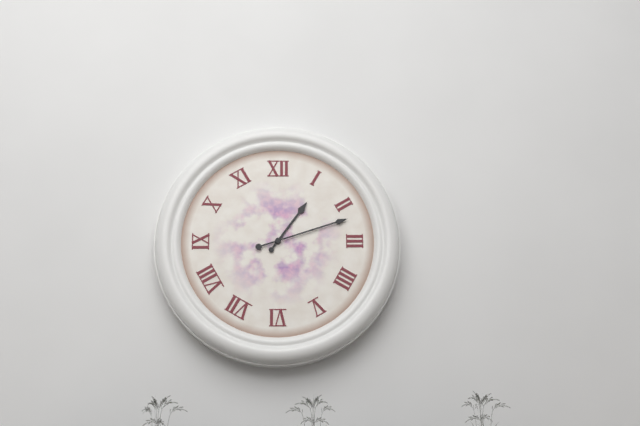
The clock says 1:12
